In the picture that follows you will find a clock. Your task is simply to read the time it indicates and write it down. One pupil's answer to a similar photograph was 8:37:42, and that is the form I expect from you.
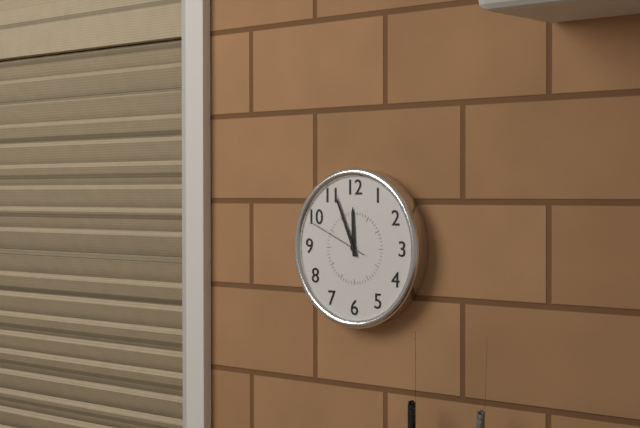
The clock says 11:56:49
